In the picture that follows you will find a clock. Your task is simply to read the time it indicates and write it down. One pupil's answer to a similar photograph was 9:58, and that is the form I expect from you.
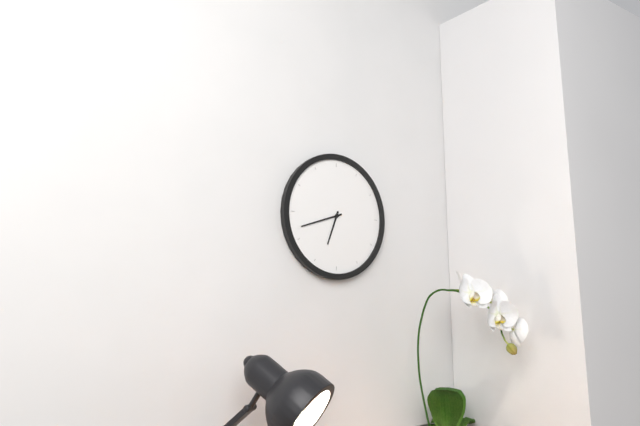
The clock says 6:42
